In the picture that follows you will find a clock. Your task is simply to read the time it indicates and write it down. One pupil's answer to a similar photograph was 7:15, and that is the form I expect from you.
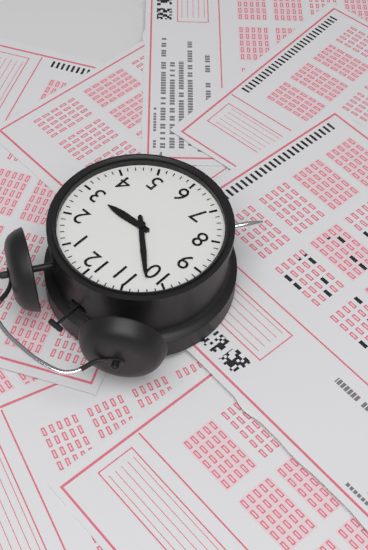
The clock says 2:52
